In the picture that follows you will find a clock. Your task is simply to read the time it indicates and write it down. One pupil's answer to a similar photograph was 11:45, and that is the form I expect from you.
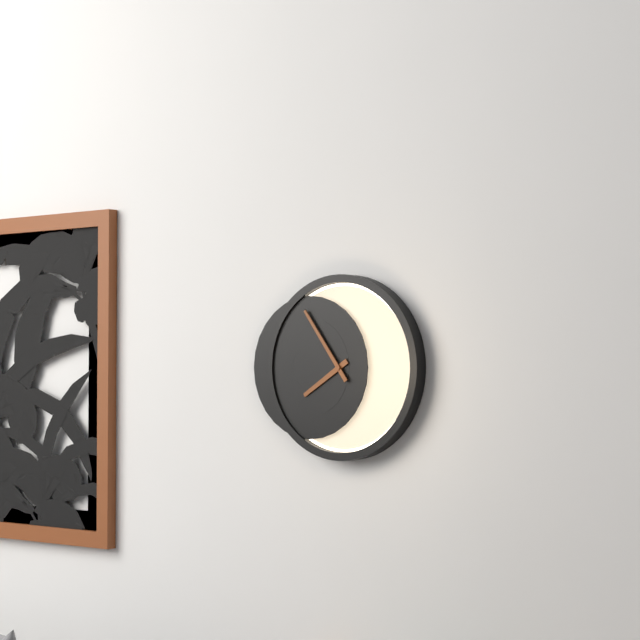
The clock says 7:54
